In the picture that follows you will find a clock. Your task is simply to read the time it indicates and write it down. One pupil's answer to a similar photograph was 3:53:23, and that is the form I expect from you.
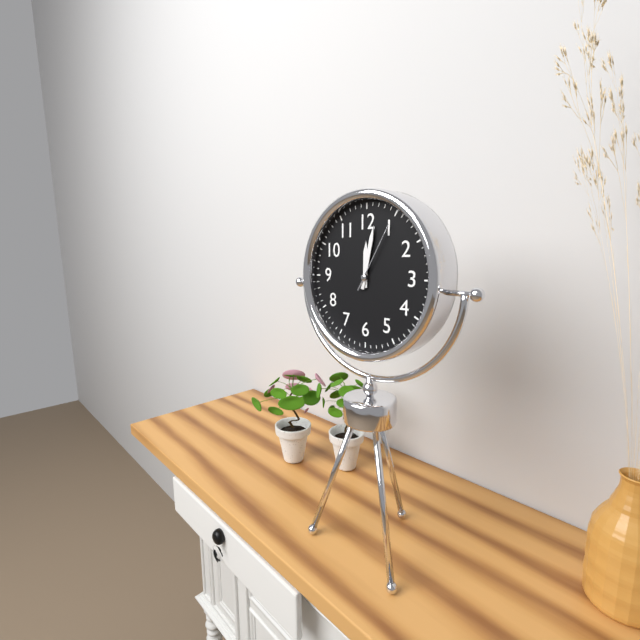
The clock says 12:02:05
